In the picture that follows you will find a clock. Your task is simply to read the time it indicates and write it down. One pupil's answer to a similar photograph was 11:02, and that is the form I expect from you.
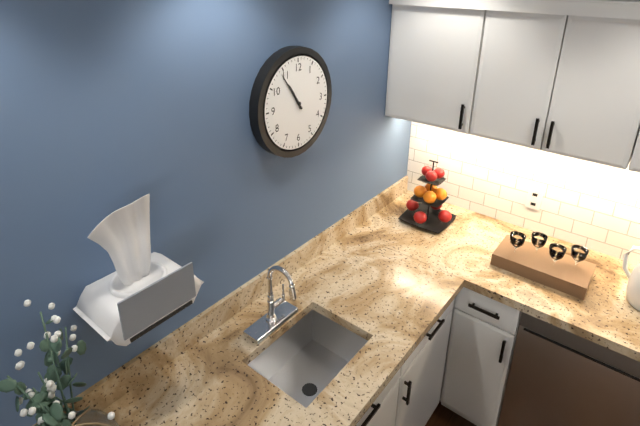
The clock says 10:54
